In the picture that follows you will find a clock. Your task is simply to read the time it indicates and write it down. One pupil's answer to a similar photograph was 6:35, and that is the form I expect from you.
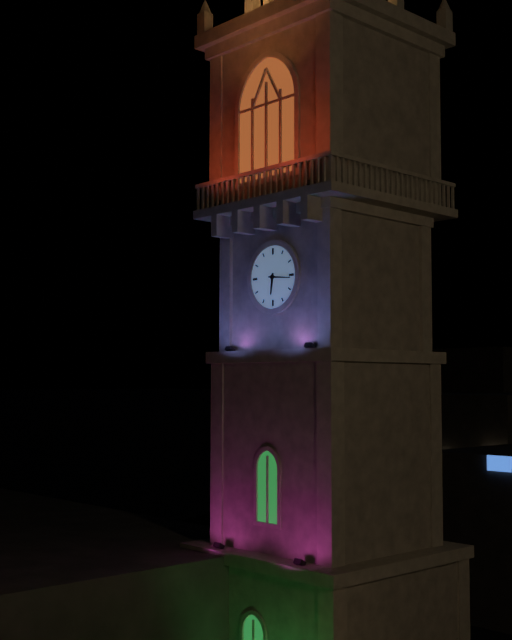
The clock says 6:16
